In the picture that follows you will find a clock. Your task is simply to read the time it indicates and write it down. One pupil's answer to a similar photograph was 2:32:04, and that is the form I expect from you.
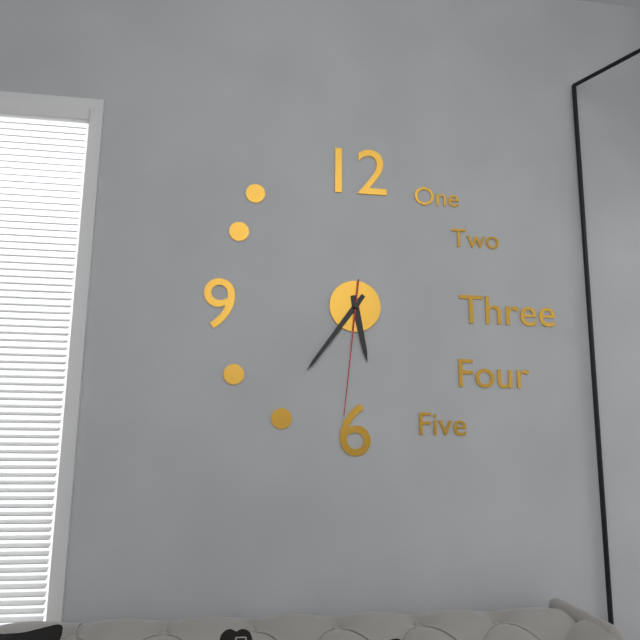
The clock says 5:36:31
